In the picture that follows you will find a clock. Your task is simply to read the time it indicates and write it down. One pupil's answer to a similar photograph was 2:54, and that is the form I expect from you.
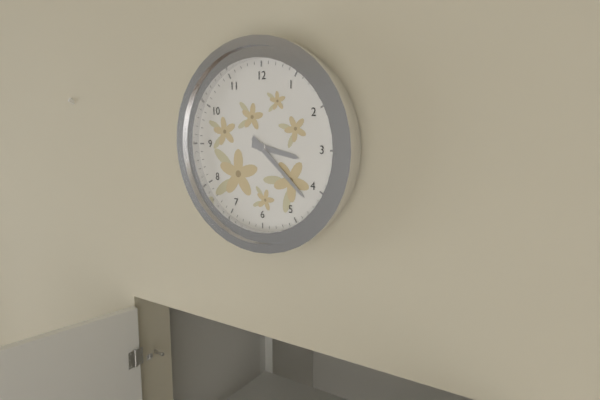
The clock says 3:22
